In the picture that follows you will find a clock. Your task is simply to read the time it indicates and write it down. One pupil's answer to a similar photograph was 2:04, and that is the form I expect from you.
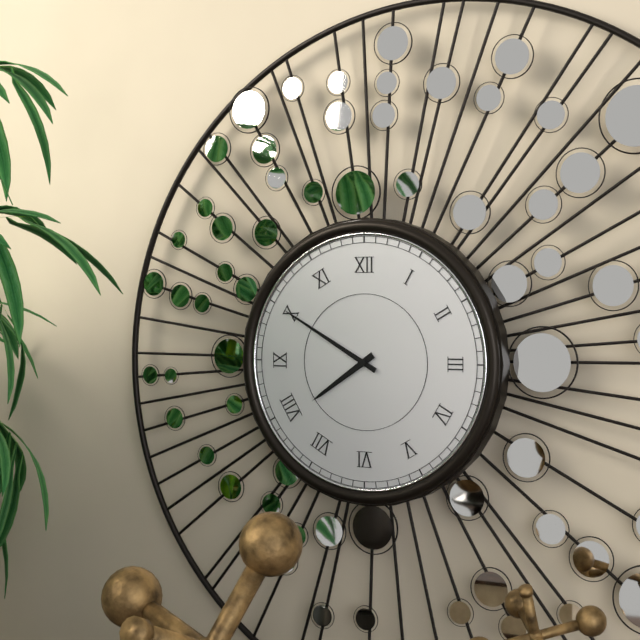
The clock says 7:50
